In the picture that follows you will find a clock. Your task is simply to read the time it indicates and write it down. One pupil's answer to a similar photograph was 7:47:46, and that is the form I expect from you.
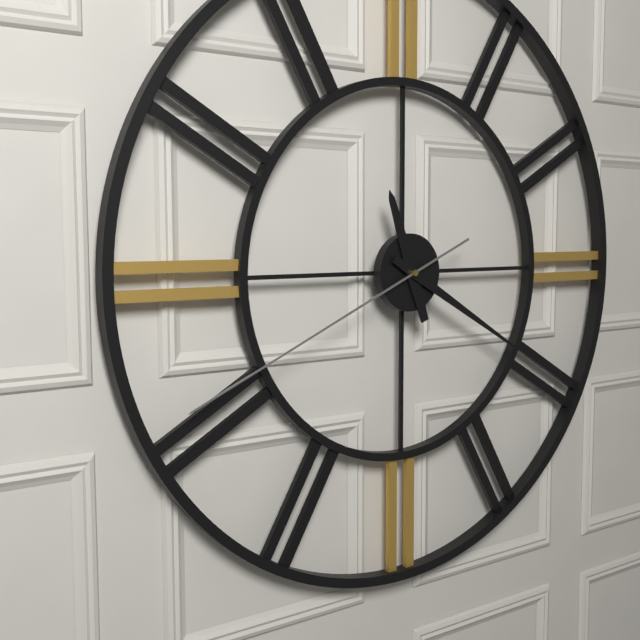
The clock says 11:20:41
